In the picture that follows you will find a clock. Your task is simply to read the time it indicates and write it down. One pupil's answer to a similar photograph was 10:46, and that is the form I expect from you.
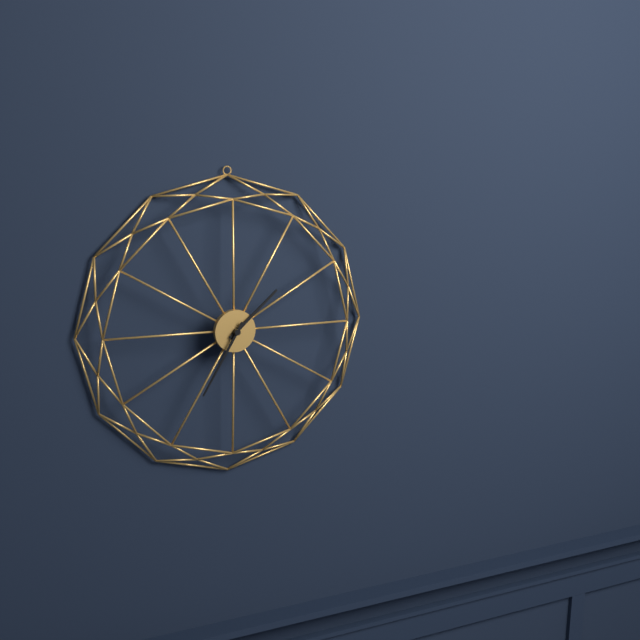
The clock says 1:35
